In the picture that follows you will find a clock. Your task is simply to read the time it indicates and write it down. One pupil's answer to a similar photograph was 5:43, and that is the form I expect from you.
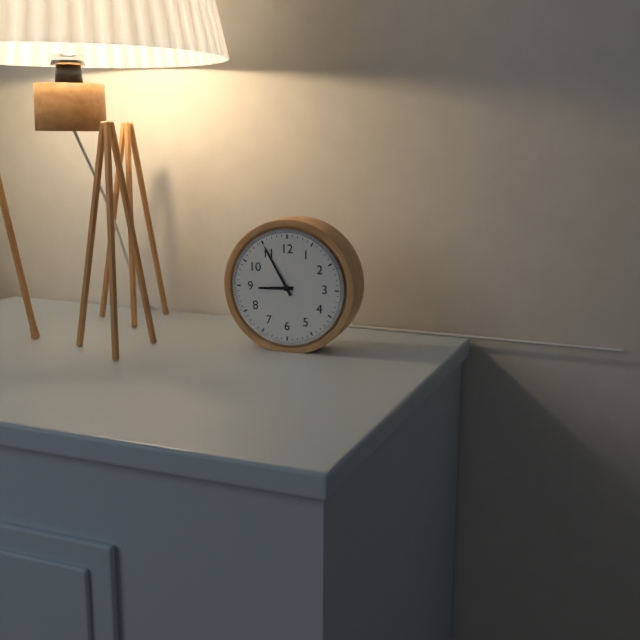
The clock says 8:55
